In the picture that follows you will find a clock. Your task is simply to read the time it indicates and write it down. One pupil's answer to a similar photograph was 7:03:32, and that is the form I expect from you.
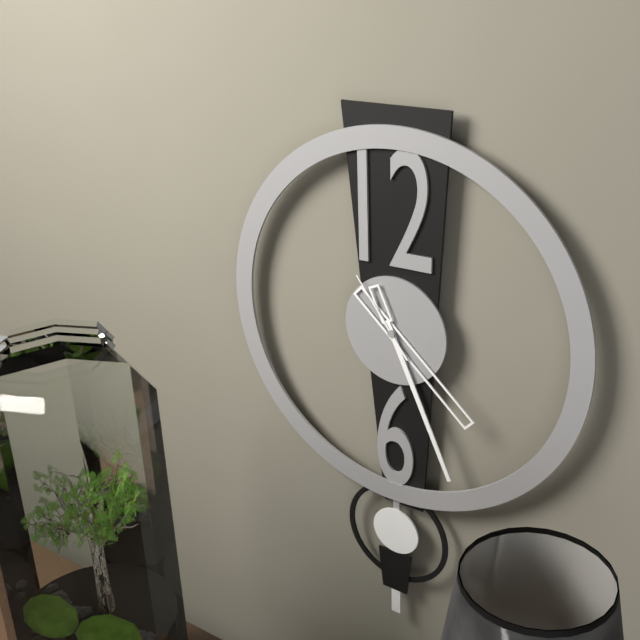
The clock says 4:26:54
